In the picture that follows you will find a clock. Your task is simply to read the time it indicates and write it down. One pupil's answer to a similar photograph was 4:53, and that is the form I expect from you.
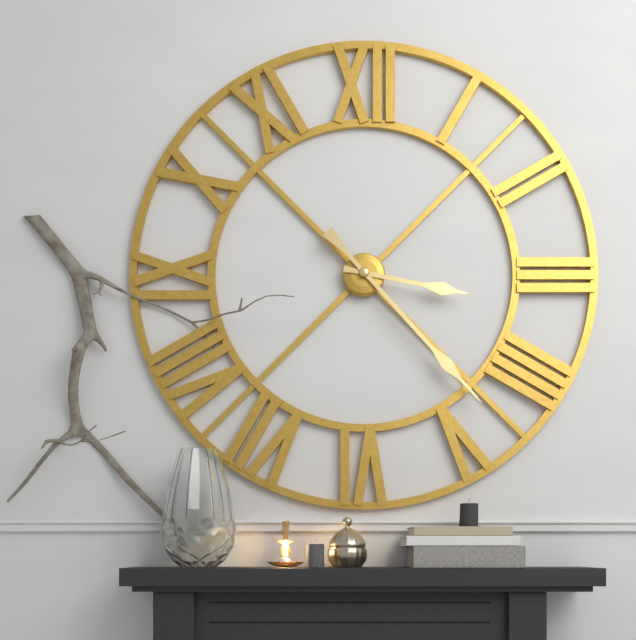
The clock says 3:23
